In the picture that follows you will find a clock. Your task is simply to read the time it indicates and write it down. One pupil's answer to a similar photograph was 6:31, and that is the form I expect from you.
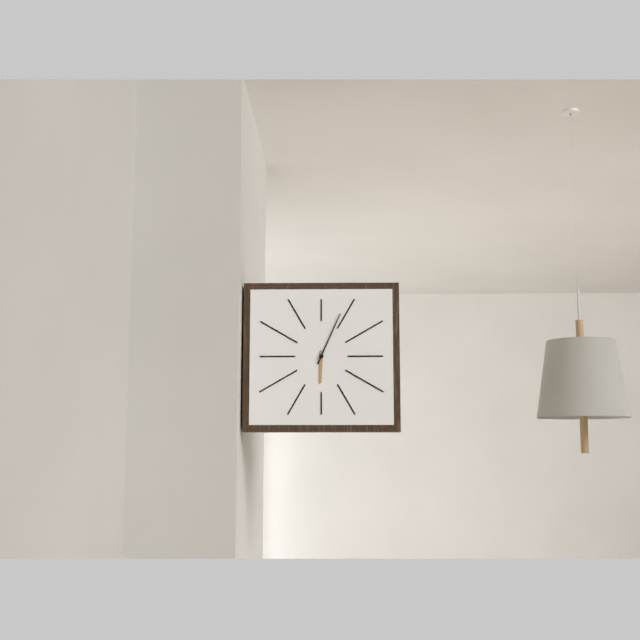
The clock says 6:04
